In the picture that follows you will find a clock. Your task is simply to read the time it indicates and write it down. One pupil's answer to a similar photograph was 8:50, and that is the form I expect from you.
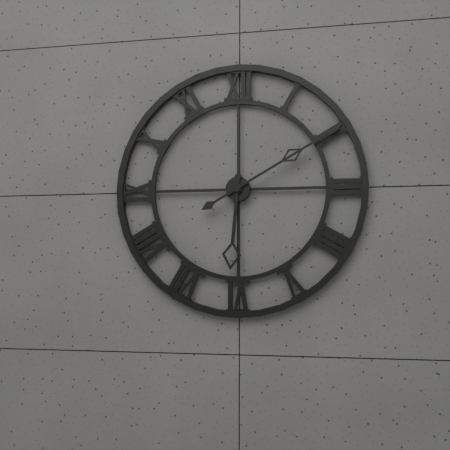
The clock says 6:10
